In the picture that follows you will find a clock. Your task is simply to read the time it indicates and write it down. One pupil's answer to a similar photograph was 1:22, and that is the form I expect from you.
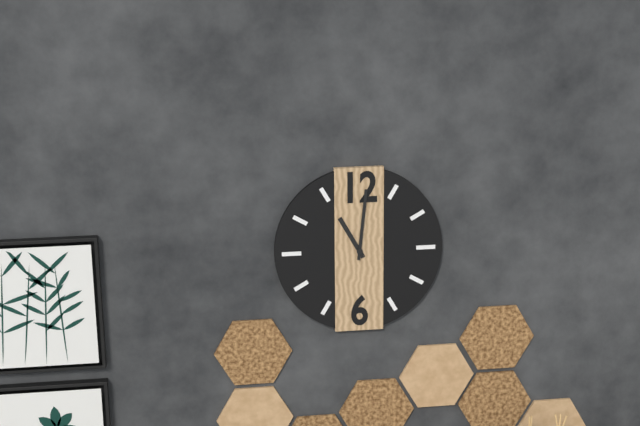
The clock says 11:01
